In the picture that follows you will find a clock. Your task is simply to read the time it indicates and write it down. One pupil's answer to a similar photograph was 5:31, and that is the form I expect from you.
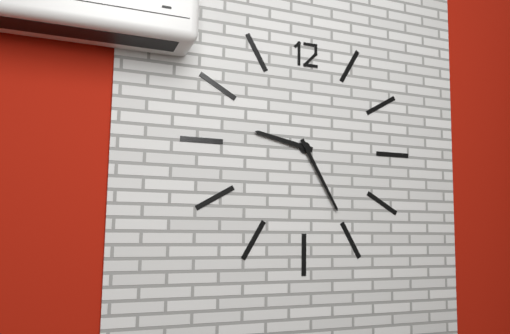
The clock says 9:25
